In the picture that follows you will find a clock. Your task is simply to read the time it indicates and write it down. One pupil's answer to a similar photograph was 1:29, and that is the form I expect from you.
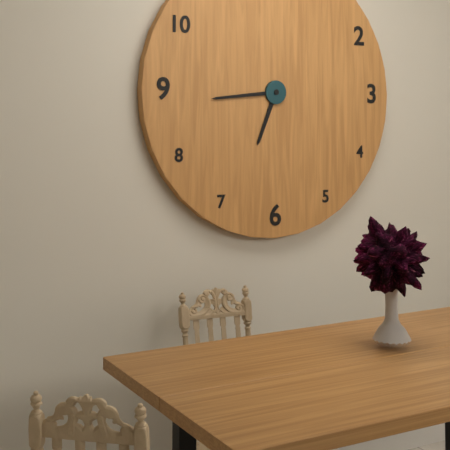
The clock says 6:44
